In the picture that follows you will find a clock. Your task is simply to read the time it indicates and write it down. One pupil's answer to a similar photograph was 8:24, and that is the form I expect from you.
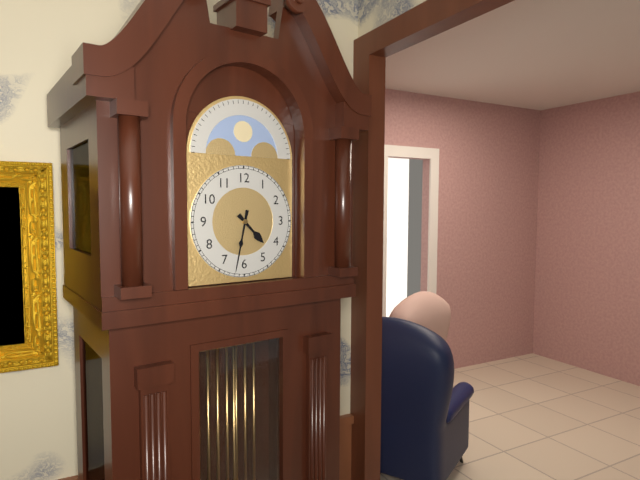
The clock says 4:32
